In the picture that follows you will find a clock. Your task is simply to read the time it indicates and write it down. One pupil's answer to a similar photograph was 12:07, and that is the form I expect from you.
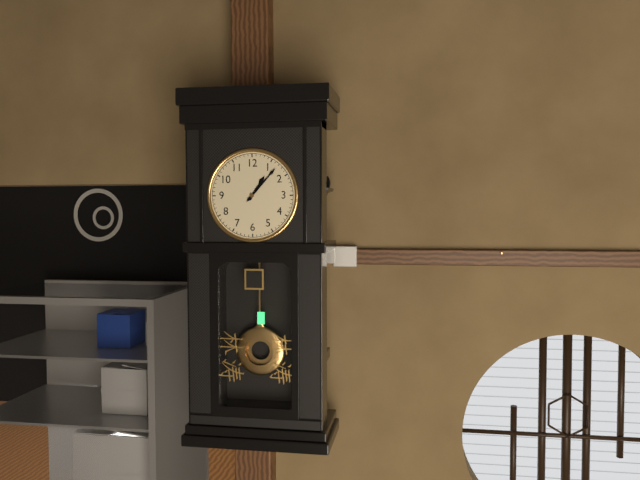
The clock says 1:07
